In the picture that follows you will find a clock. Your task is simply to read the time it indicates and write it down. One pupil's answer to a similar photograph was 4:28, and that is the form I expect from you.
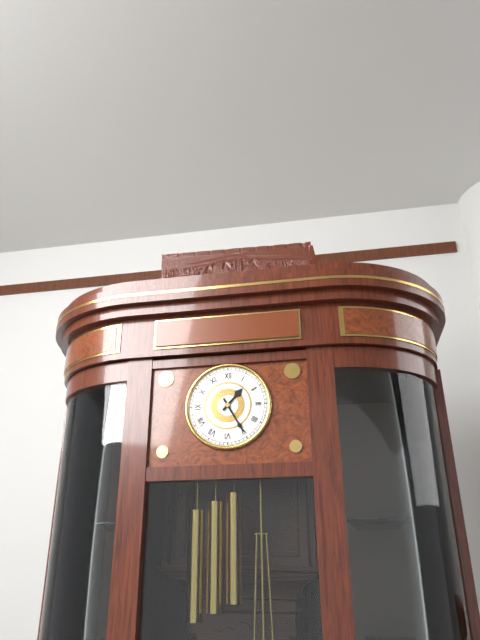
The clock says 1:25
